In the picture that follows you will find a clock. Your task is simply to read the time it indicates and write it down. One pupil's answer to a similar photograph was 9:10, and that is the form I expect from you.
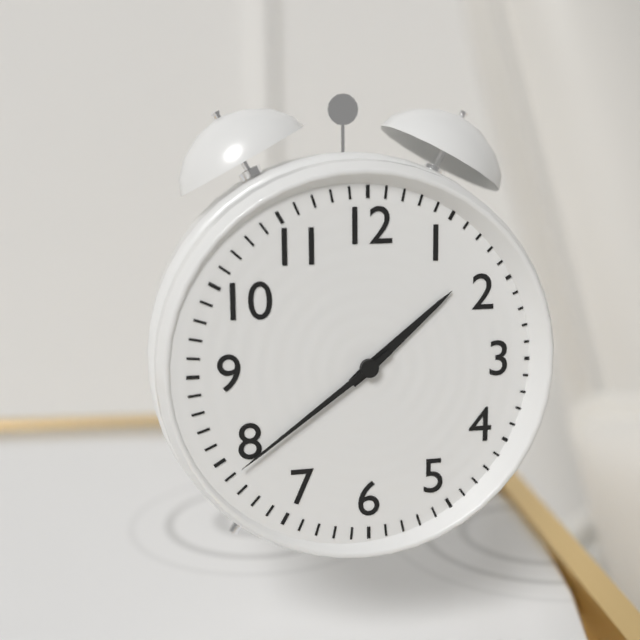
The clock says 1:39
